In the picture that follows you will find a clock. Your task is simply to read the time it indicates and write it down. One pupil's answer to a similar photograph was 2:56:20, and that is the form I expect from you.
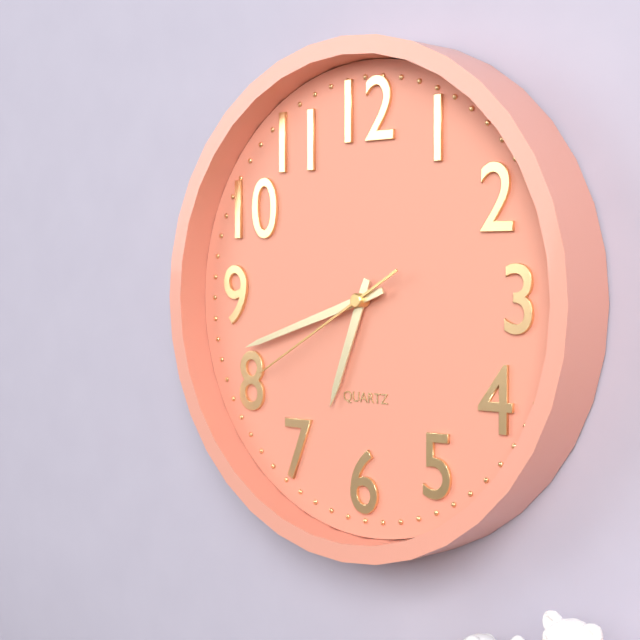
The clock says 6:42:40
